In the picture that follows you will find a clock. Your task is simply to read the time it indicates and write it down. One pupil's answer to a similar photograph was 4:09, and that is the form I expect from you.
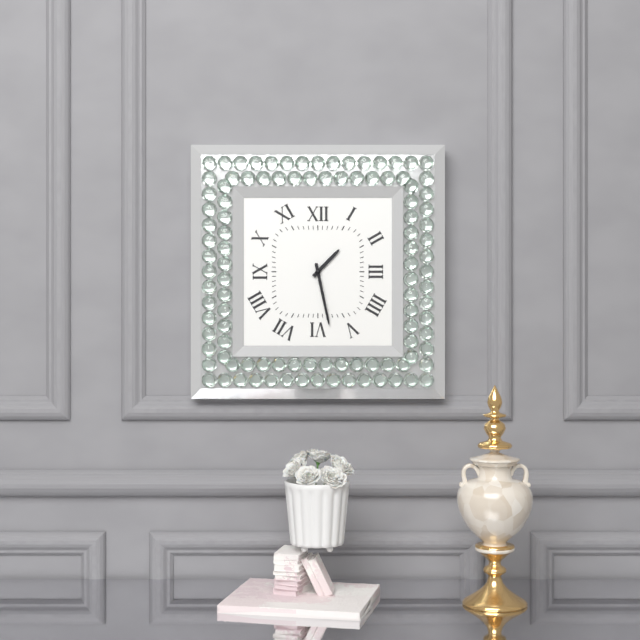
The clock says 1:28
